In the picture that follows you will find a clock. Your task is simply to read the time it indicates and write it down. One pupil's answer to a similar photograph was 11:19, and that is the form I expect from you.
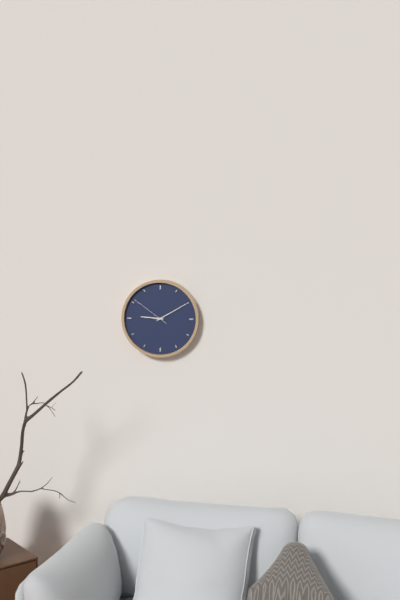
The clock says 9:10
